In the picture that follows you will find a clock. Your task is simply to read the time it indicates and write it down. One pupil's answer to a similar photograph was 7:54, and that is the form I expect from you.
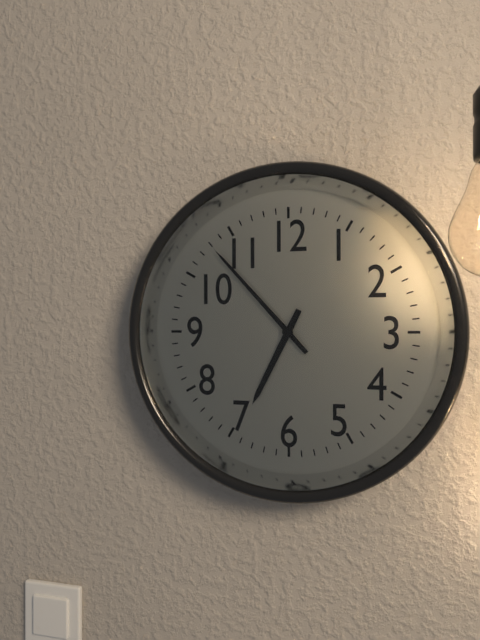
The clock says 6:53
